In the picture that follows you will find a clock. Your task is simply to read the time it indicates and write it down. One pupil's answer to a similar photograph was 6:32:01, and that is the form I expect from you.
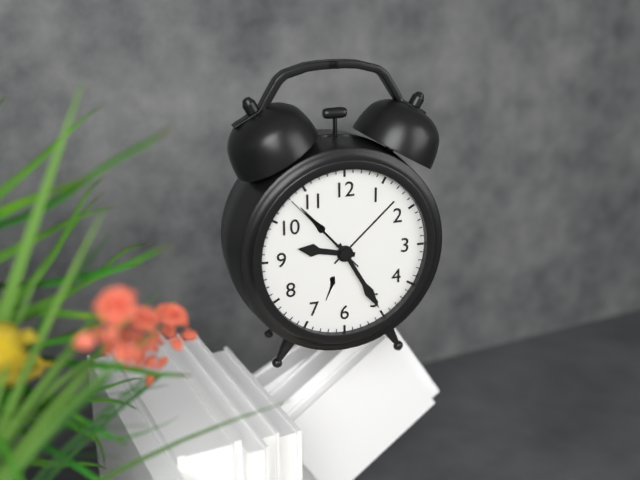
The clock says 9:25:53
